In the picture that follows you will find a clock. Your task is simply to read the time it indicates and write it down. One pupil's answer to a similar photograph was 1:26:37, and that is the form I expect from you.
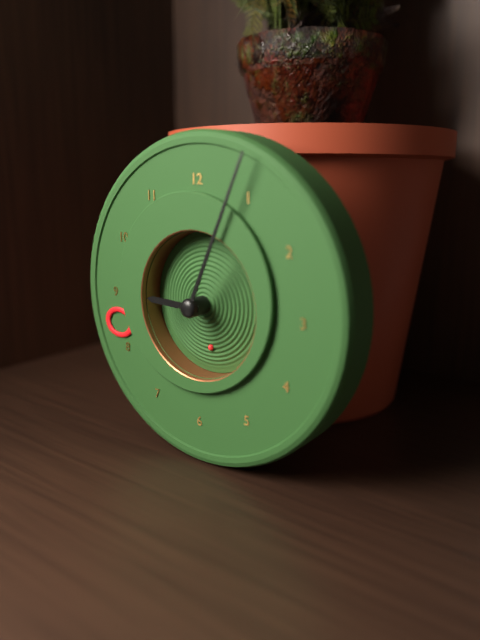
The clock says 9:04:29
